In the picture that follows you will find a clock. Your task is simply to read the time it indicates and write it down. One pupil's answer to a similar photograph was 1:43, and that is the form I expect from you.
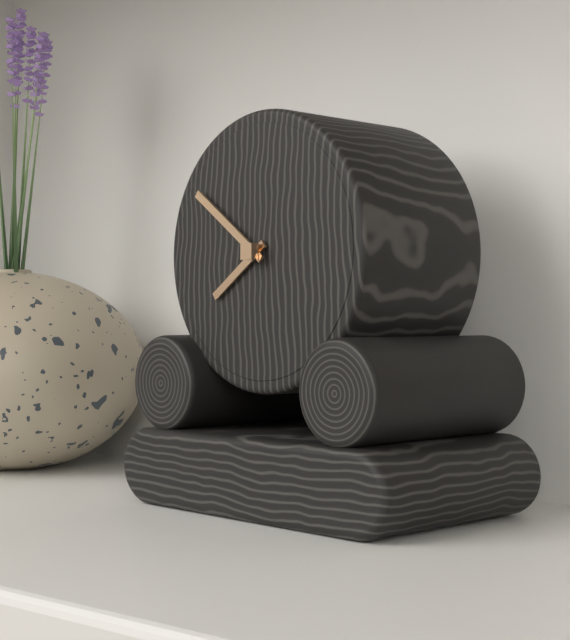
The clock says 7:51
